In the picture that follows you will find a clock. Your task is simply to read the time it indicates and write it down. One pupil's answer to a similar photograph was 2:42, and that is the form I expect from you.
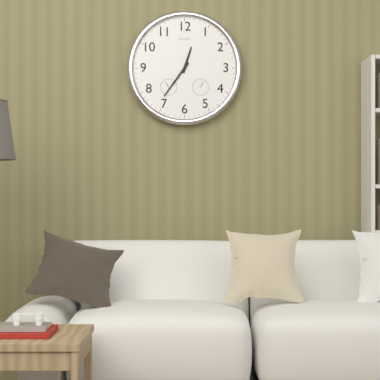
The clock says 12:36
